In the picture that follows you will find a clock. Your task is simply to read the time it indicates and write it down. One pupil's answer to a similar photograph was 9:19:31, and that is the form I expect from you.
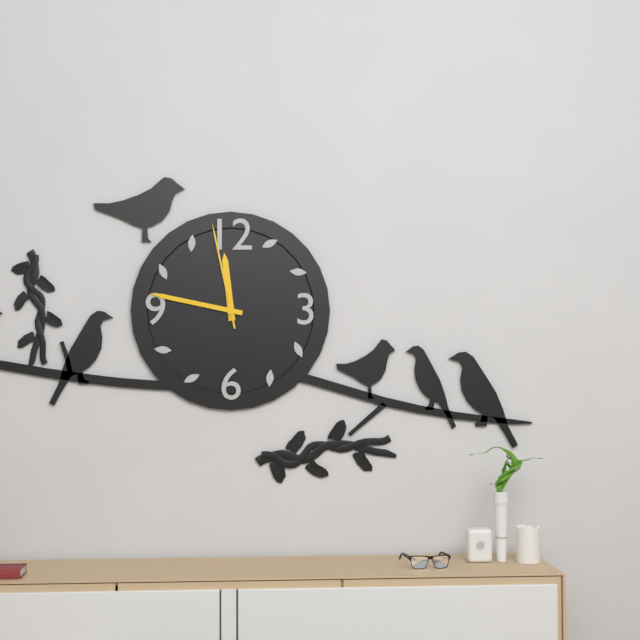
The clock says 11:47:58
